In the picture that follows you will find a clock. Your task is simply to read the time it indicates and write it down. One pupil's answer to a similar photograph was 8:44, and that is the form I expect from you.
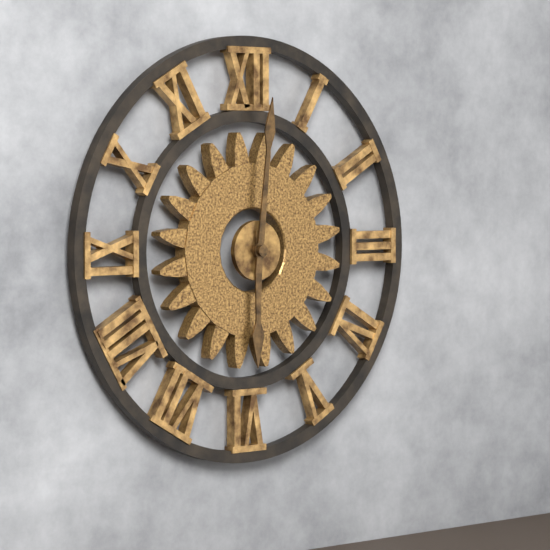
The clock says 6:01
